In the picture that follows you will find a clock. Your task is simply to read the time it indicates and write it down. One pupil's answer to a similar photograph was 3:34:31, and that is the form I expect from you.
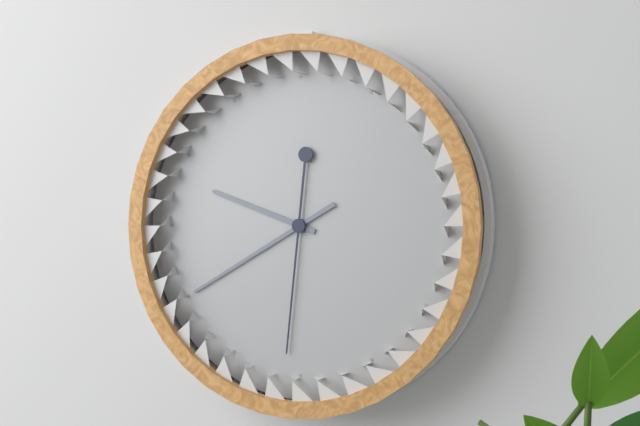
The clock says 9:40:31
